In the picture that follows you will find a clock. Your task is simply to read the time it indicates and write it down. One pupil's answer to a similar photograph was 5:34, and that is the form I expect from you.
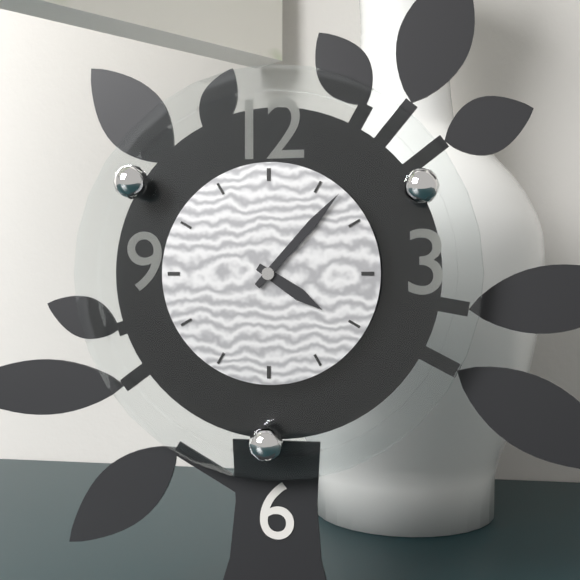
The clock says 4:07
